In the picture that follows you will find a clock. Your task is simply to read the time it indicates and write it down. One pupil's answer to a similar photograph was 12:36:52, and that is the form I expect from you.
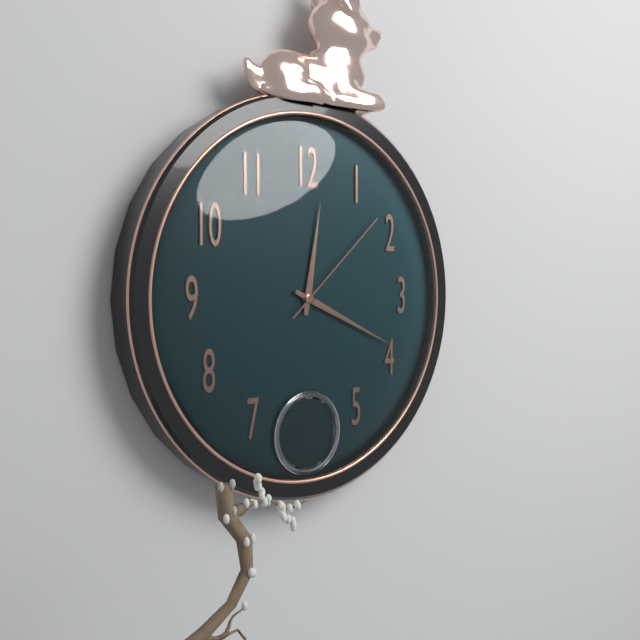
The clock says 12:19:08
